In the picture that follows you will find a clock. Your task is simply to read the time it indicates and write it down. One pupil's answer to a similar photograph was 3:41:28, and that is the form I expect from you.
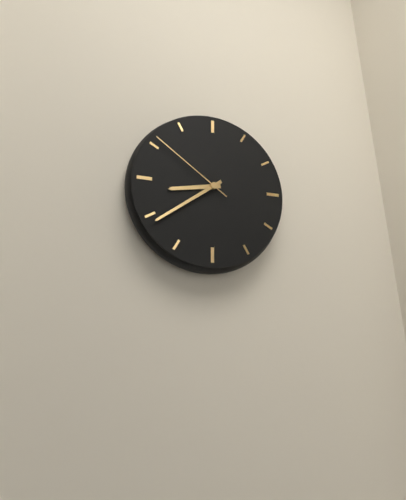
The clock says 8:39:51
